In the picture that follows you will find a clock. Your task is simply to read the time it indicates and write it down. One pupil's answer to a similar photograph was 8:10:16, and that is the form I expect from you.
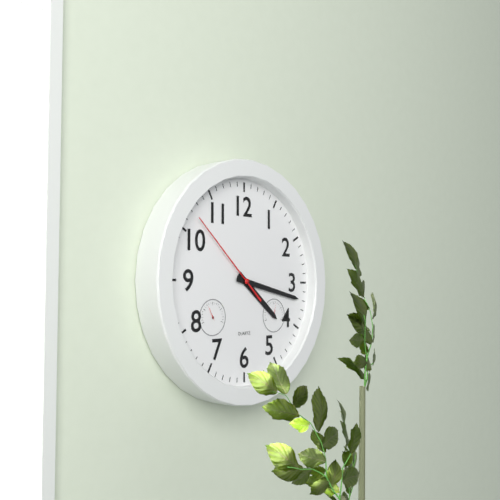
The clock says 4:17:52
